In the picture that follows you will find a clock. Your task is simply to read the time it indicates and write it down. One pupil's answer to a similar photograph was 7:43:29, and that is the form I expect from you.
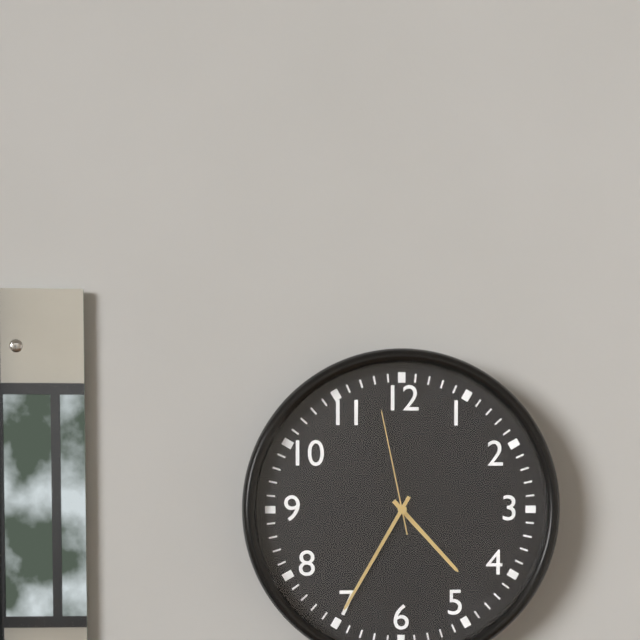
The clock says 4:35:58
